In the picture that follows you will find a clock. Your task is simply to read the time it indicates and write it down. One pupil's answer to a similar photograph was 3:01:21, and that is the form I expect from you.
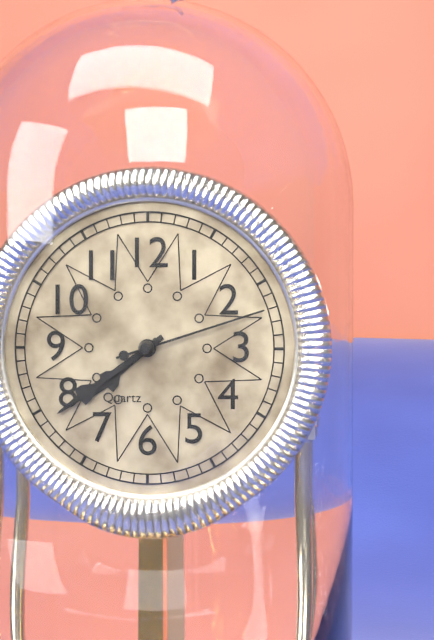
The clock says 7:39:12
